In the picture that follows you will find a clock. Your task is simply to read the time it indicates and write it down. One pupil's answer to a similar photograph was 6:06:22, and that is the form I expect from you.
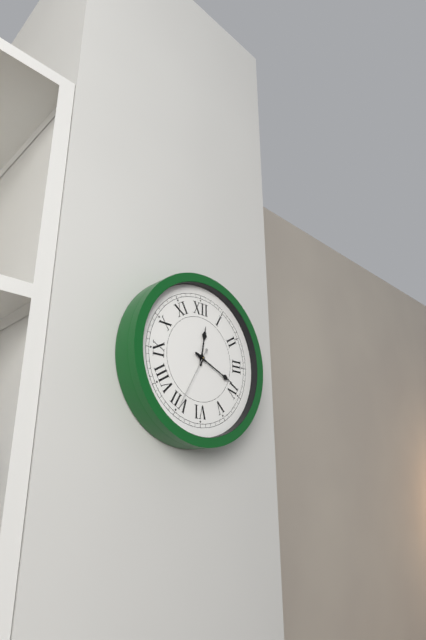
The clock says 12:19:35
